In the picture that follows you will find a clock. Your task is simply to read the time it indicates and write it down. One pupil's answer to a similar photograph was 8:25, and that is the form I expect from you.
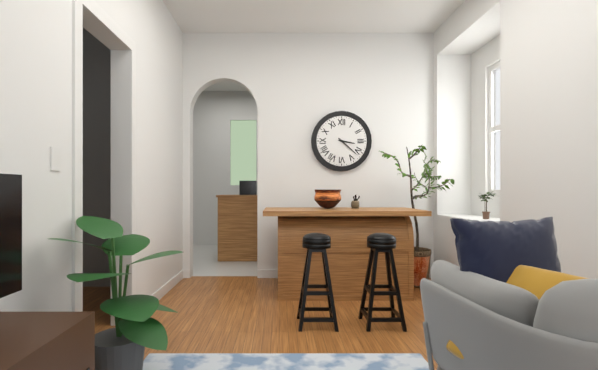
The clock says 3:22
